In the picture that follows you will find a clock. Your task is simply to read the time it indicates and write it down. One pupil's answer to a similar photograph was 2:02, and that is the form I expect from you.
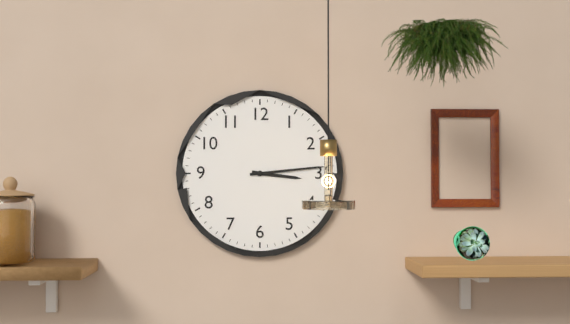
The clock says 3:14
